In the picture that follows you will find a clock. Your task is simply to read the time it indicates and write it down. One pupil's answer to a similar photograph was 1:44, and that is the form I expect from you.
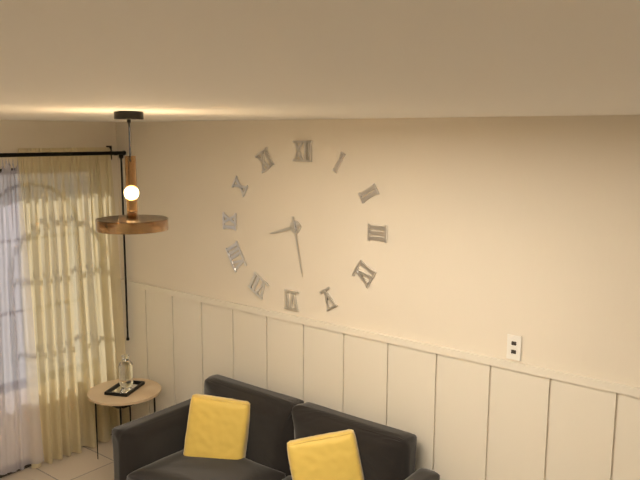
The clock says 8:28
